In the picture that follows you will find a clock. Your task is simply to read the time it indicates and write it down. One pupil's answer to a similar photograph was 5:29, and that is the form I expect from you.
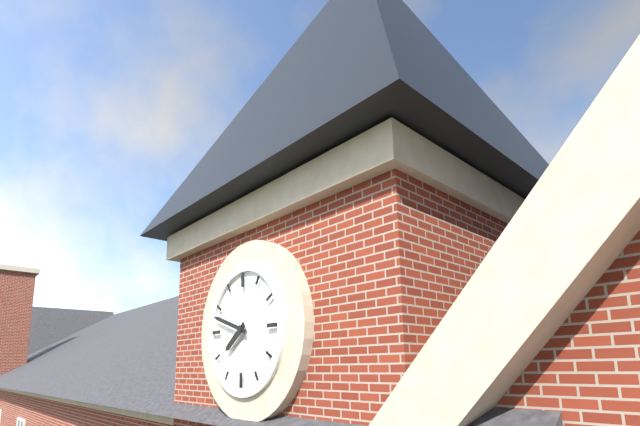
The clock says 7:48
